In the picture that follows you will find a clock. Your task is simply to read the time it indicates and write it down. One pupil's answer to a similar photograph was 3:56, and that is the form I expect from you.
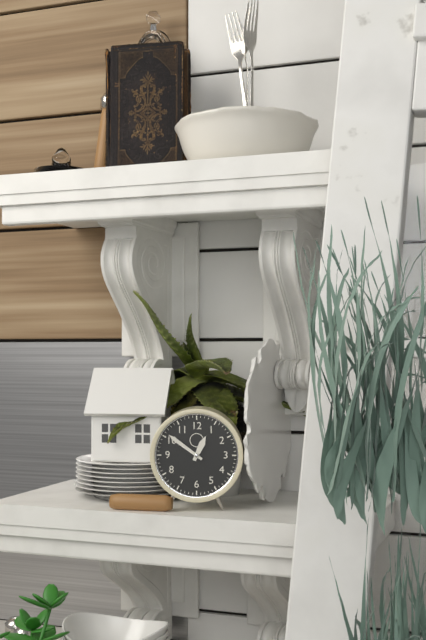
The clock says 12:51
